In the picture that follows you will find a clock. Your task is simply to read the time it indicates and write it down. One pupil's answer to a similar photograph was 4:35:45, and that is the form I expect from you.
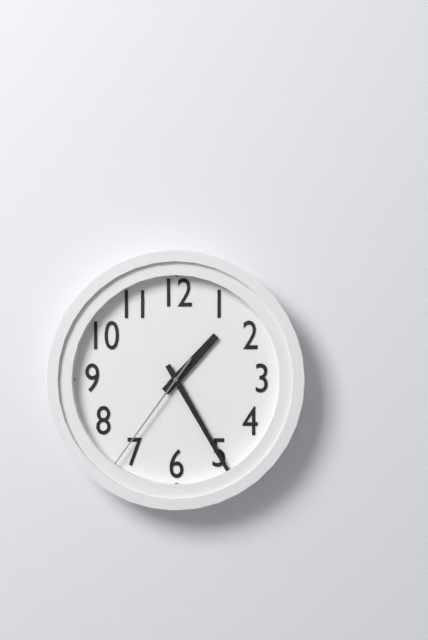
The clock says 1:25:36
